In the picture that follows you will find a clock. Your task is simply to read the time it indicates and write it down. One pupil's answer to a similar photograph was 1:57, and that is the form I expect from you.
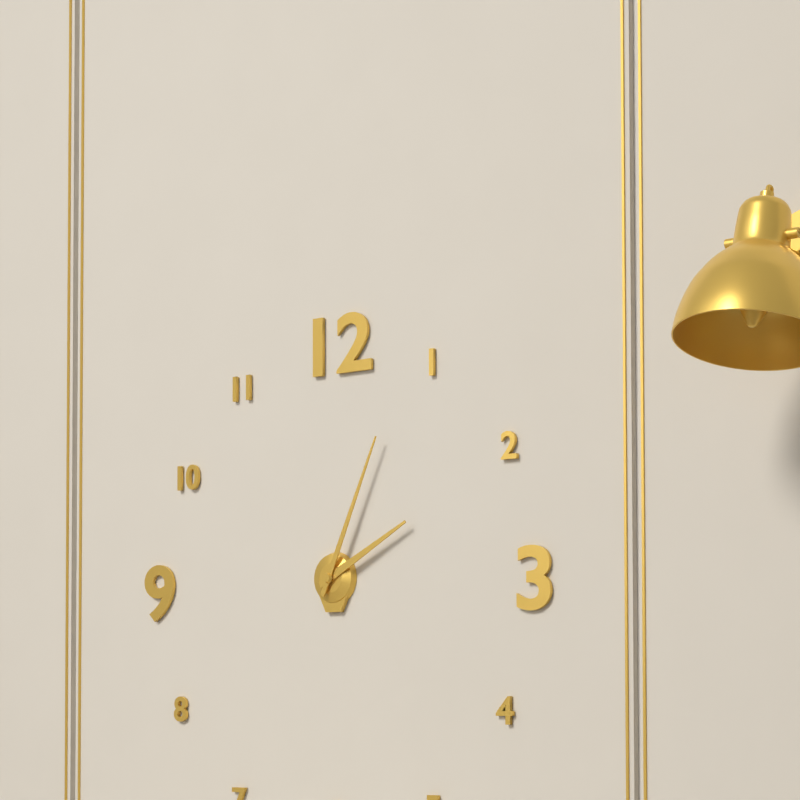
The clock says 2:04
